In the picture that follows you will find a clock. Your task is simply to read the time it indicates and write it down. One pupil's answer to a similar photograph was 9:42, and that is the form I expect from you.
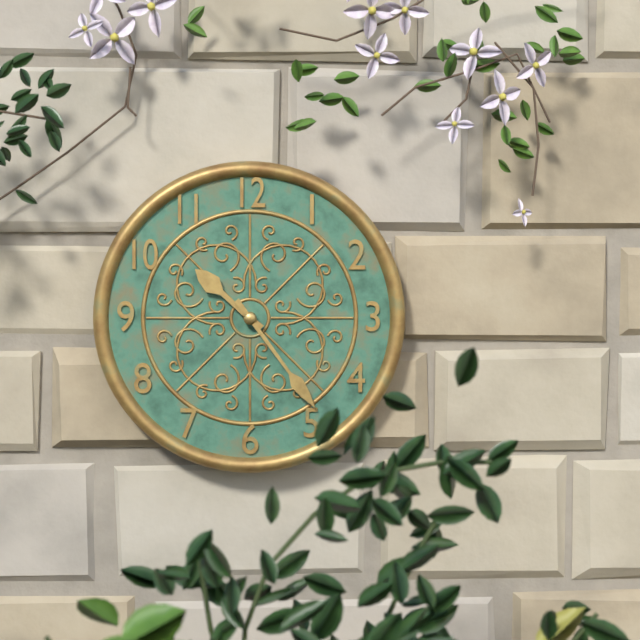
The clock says 10:24
